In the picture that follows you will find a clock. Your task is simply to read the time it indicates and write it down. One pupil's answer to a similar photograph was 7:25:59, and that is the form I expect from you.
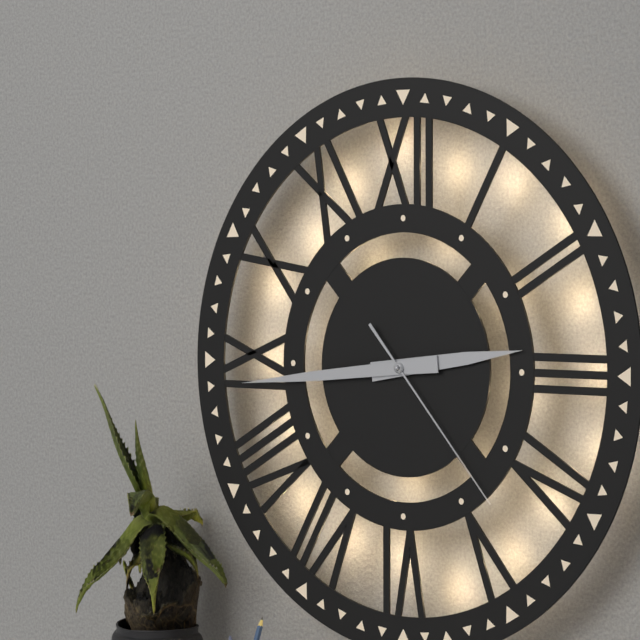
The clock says 2:44:23
